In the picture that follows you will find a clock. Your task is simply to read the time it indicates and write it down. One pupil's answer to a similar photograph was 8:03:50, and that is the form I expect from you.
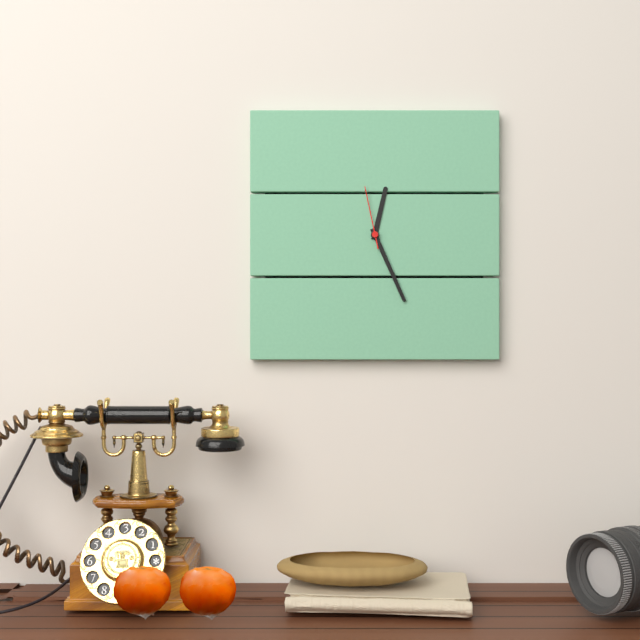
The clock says 12:26:58
